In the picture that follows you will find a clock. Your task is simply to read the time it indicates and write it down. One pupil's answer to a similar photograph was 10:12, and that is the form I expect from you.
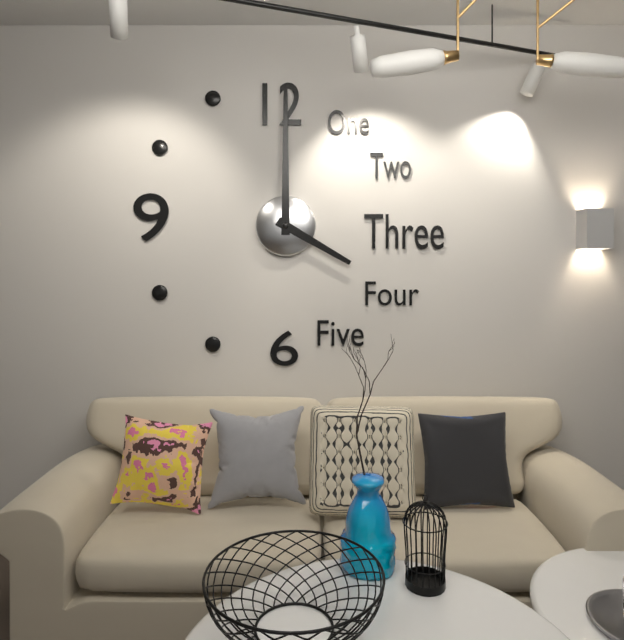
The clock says 4:00
